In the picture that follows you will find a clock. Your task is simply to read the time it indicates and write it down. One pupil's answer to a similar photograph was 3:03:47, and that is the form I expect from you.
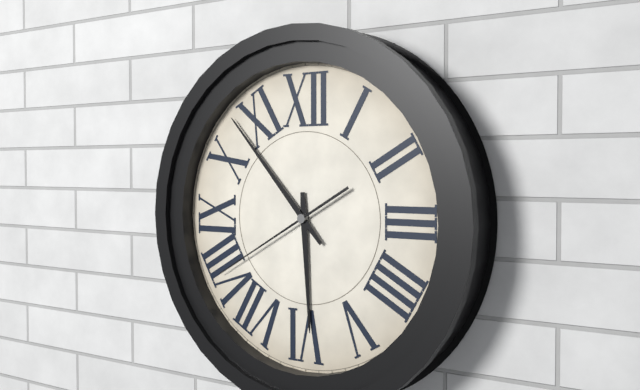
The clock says 5:53:40
